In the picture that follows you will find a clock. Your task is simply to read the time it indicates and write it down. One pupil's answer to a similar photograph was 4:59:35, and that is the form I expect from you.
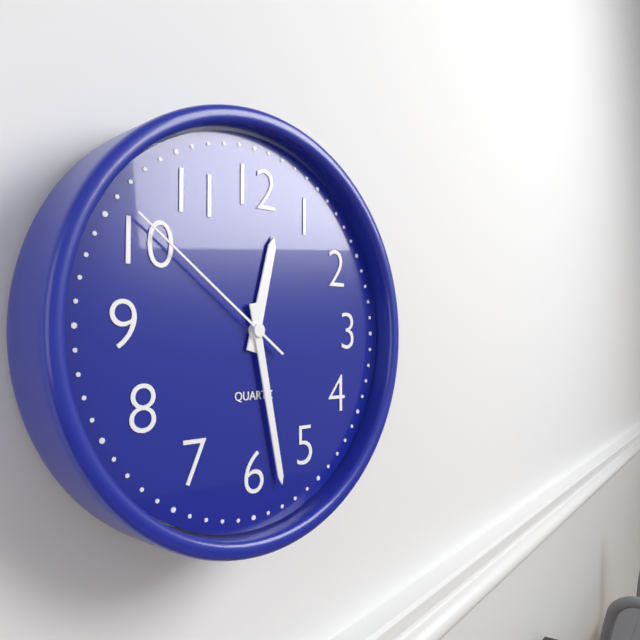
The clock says 12:28:51
